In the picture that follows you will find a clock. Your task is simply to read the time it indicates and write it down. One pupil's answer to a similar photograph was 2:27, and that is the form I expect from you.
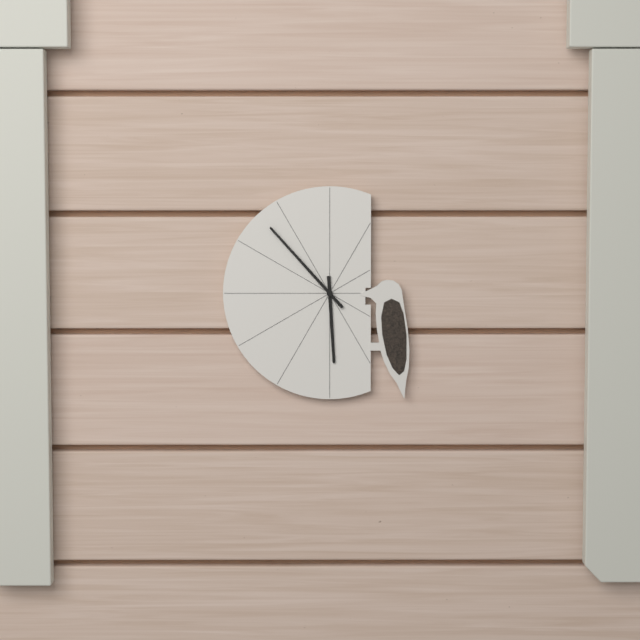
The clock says 5:53
